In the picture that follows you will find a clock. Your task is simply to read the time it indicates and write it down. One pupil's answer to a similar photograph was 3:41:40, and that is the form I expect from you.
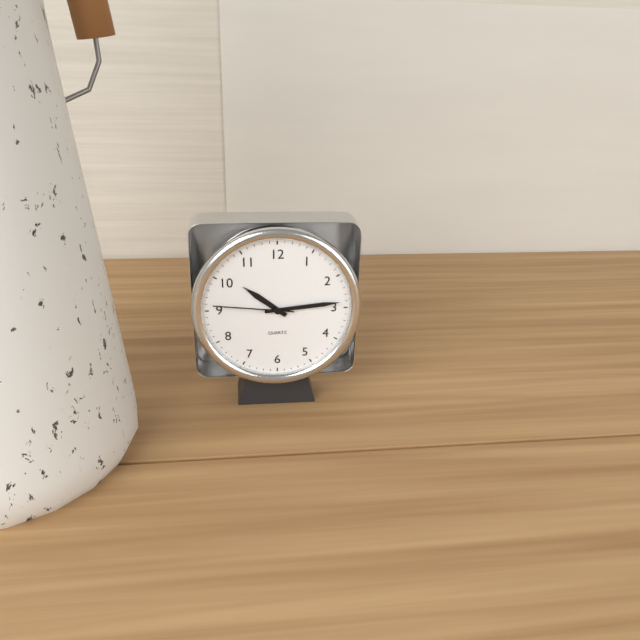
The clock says 10:14:46
